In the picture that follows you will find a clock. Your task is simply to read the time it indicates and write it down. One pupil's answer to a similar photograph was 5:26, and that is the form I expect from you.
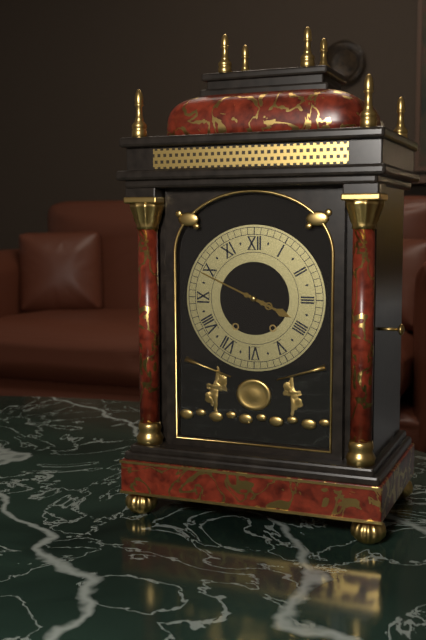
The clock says 3:49
